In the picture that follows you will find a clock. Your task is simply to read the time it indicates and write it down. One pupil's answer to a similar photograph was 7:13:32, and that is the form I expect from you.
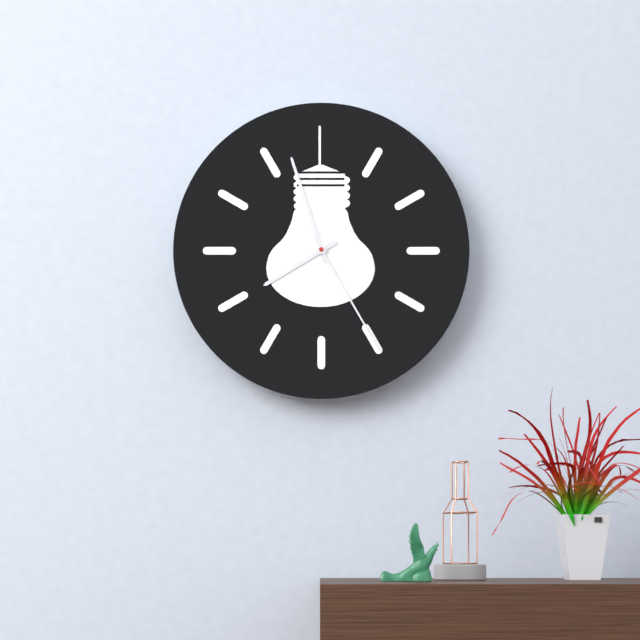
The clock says 7:57:25
